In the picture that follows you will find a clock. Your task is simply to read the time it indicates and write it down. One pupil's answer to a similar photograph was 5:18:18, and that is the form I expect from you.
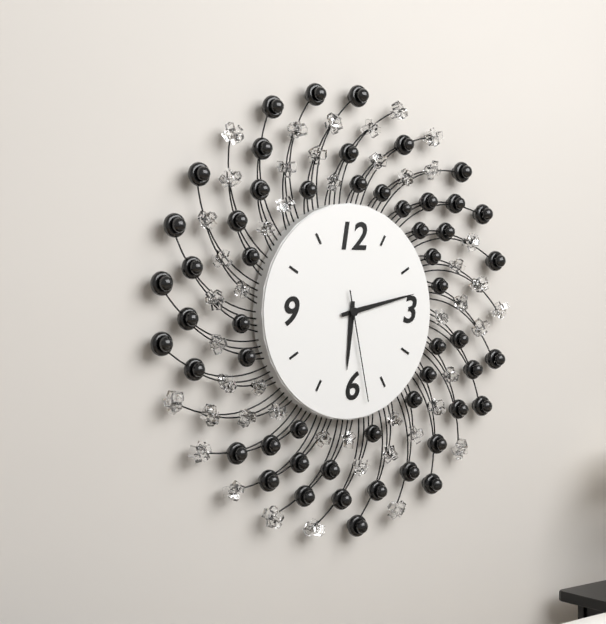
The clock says 6:13:28
